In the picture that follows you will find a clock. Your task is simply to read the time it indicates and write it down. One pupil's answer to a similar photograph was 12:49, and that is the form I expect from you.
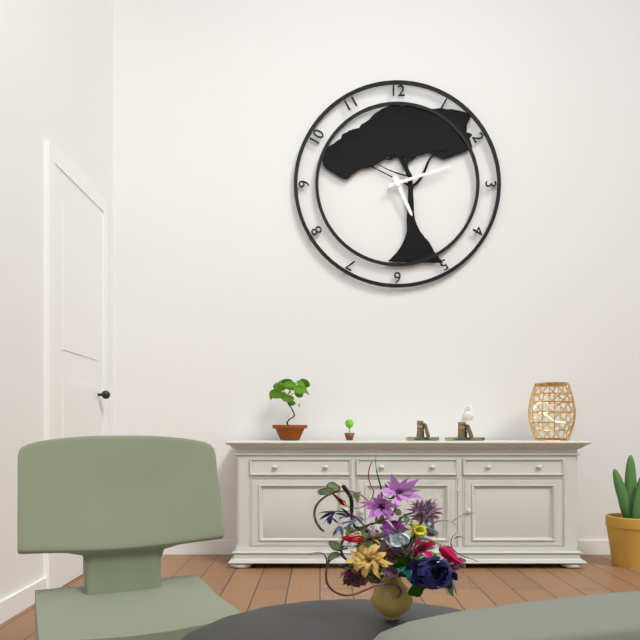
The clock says 5:12
